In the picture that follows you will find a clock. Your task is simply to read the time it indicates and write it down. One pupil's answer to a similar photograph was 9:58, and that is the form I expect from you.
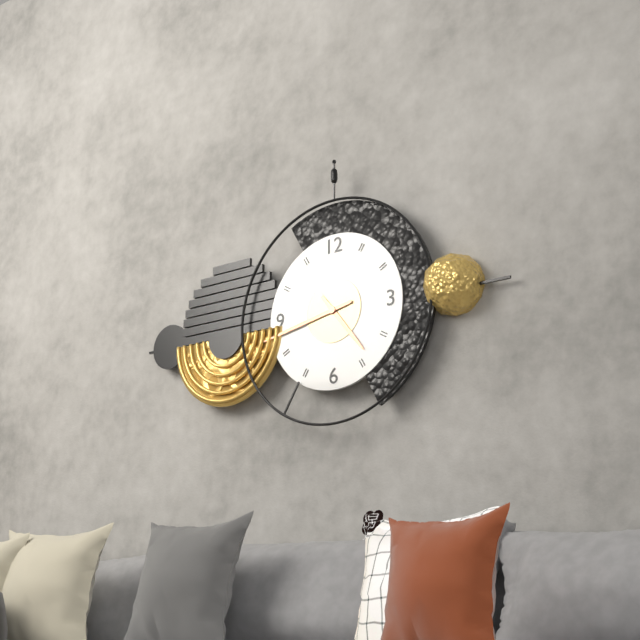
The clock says 4:43
